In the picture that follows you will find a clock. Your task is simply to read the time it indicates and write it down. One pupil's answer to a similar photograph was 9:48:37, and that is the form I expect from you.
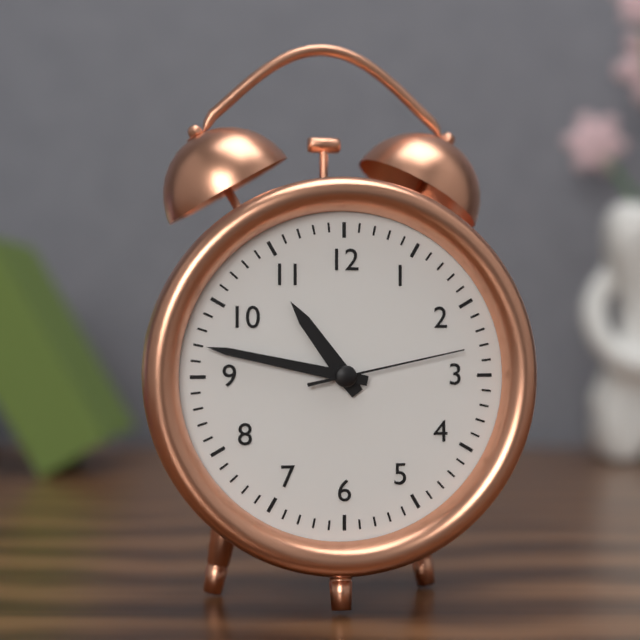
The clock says 10:47:13
